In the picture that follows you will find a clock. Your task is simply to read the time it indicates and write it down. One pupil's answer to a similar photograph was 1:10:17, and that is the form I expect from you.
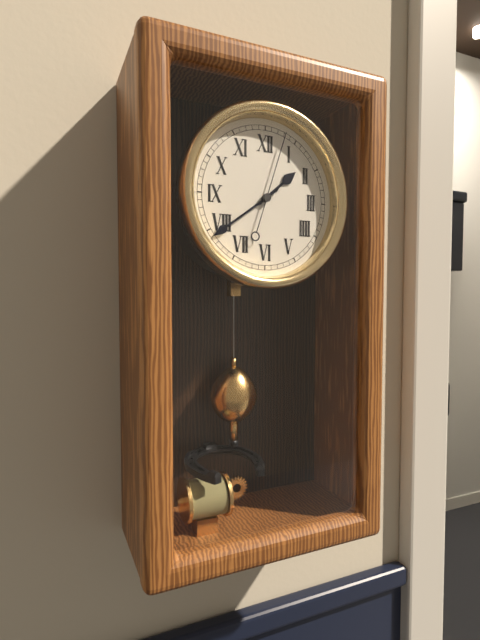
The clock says 1:39:03
